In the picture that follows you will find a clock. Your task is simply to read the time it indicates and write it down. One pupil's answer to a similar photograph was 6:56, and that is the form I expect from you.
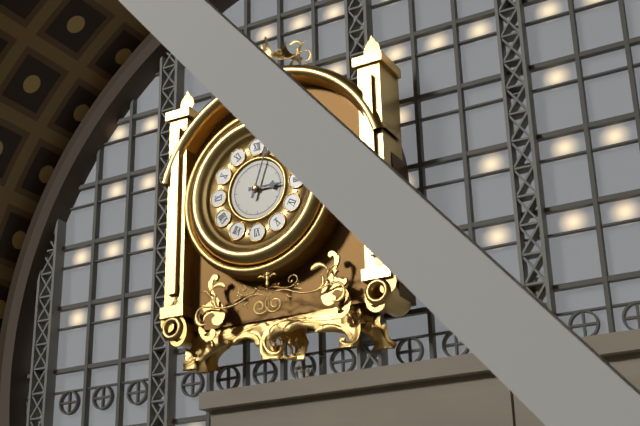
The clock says 3:03
